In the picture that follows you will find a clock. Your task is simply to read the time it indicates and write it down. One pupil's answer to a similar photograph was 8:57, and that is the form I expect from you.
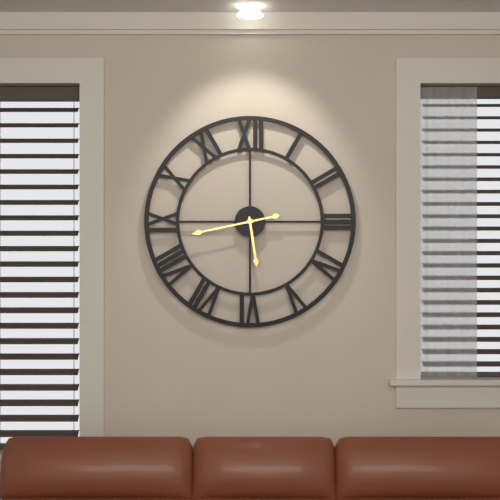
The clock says 5:43
